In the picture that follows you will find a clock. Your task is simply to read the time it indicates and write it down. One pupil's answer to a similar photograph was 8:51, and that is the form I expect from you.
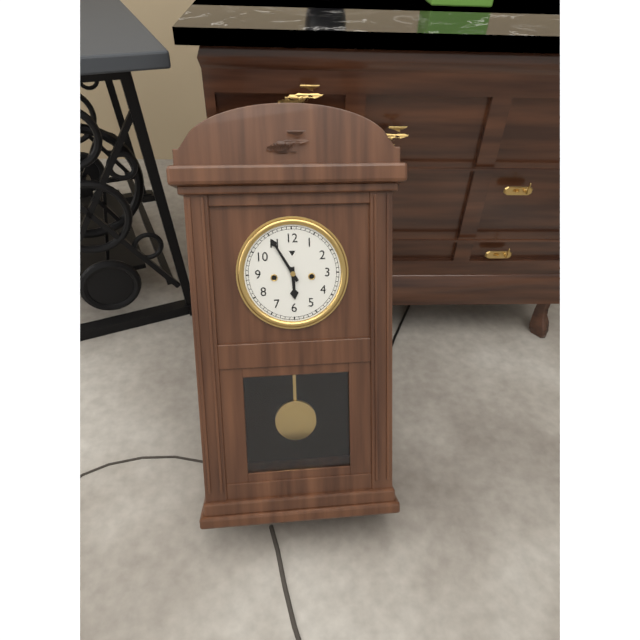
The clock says 5:55
